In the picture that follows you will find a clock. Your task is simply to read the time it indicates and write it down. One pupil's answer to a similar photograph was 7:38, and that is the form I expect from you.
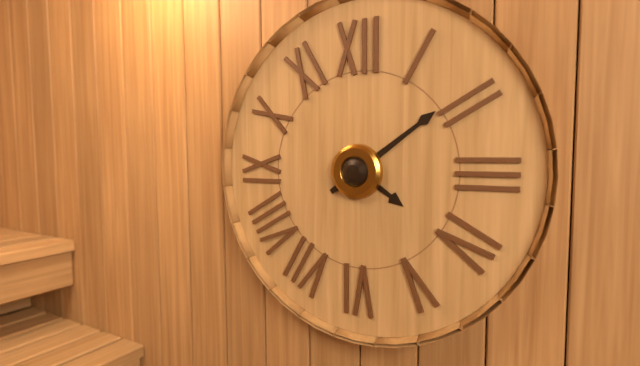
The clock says 4:09
